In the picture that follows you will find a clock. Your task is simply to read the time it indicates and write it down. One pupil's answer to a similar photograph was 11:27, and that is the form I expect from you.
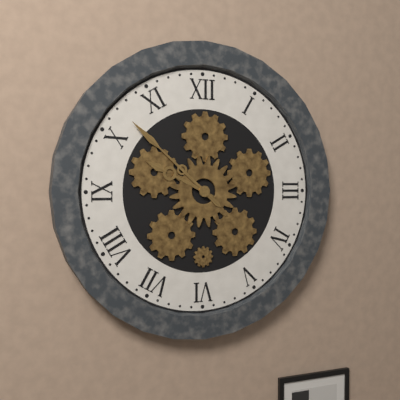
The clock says 9:52
